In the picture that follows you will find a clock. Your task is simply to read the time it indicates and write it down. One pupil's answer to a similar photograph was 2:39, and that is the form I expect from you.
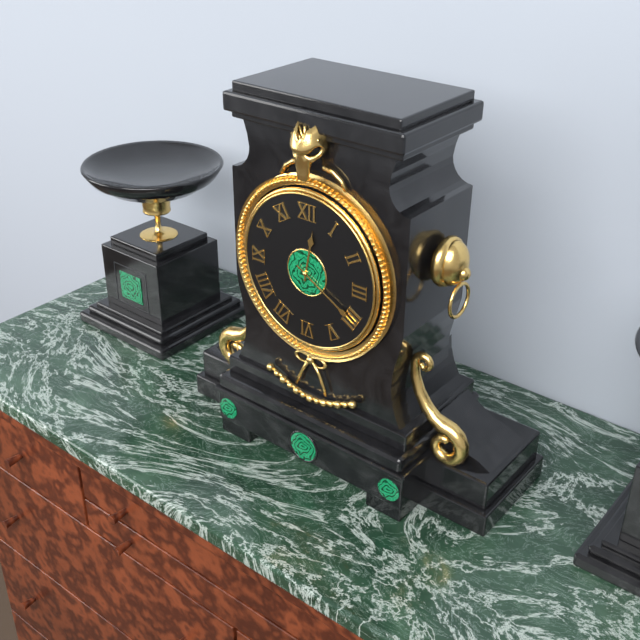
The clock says 12:20
